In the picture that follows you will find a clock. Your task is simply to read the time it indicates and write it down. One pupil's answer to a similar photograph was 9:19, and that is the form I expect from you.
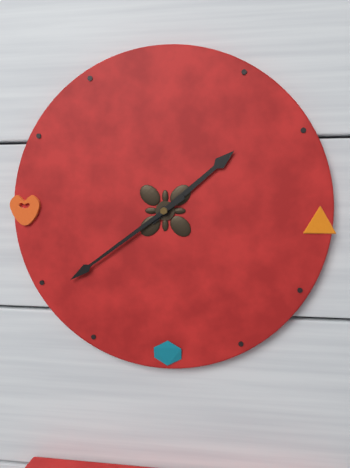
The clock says 1:39
